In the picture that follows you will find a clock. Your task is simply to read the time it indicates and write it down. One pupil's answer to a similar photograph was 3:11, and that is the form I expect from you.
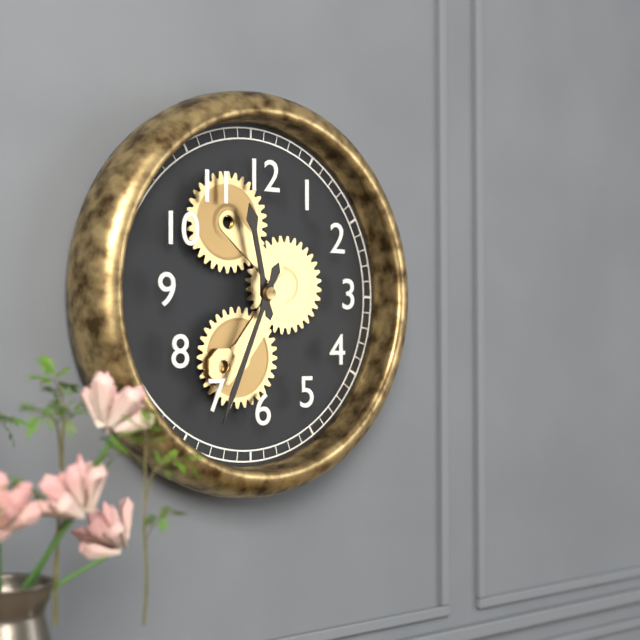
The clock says 11:34
